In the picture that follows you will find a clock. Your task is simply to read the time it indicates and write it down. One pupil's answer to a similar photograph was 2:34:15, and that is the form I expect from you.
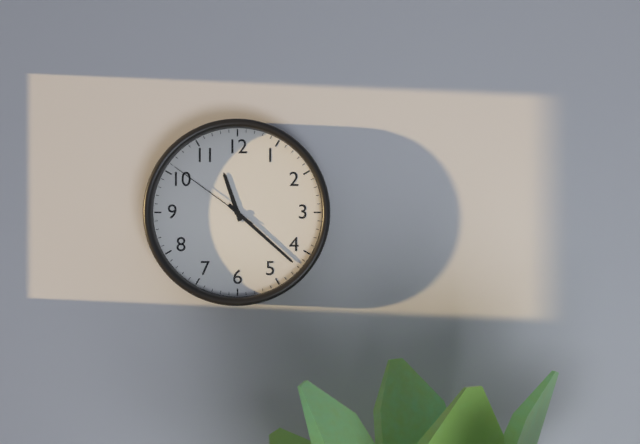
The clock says 11:22:51
